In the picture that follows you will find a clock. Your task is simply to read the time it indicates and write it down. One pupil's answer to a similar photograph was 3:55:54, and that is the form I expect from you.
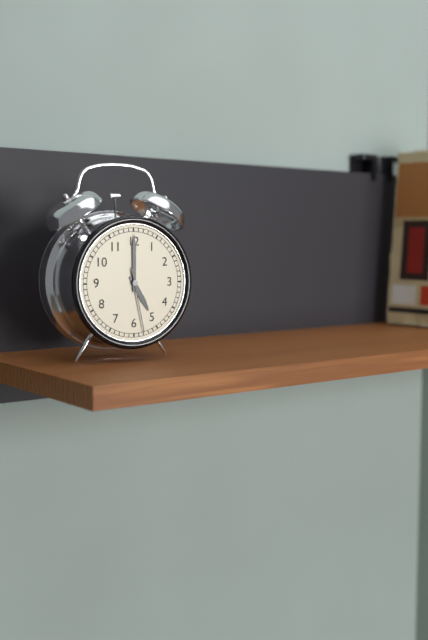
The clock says 5:00:28
